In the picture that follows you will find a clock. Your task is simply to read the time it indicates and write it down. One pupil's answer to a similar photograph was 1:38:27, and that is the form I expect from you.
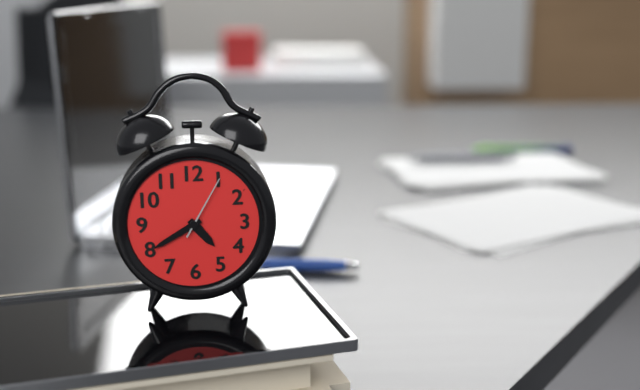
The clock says 4:40:05
